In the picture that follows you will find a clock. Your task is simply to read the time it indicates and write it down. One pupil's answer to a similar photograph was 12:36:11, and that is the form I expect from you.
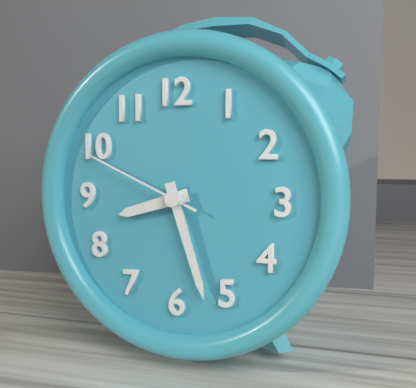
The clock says 8:27:49
